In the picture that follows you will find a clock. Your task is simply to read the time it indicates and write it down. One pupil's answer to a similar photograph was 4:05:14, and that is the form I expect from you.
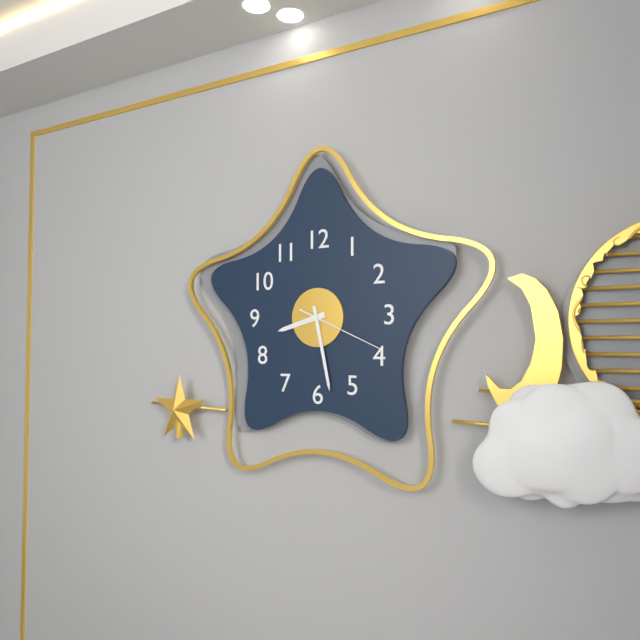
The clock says 8:28:19
